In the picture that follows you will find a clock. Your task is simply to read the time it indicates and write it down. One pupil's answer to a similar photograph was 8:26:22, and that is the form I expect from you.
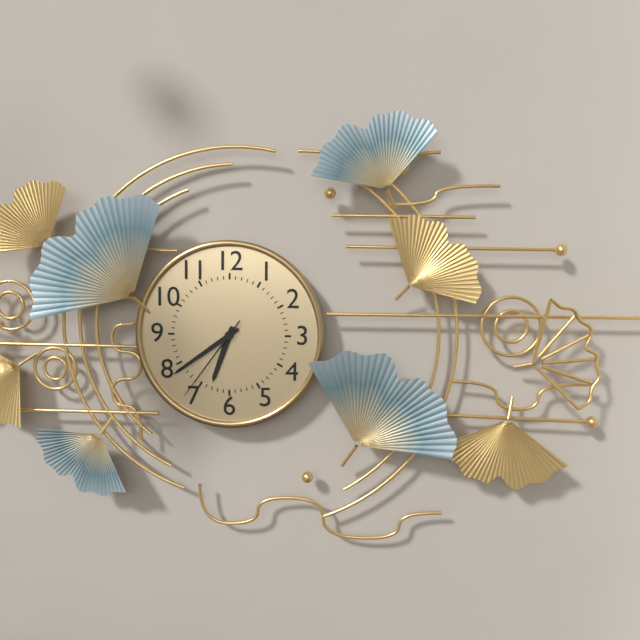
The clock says 6:39:36
